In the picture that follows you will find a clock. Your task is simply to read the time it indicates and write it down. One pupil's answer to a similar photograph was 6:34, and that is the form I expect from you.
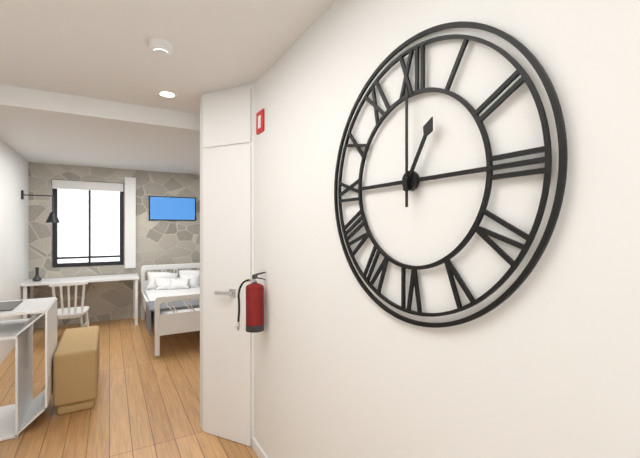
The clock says 1:00
